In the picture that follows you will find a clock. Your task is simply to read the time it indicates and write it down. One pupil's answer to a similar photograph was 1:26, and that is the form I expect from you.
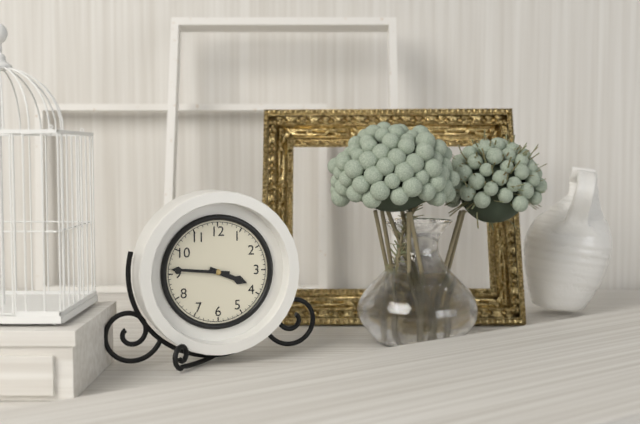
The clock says 3:46
